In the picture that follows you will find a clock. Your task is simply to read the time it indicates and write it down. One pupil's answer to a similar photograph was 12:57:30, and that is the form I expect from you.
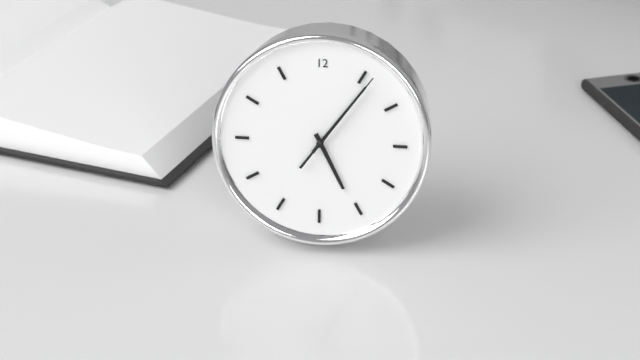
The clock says 5:06:06
